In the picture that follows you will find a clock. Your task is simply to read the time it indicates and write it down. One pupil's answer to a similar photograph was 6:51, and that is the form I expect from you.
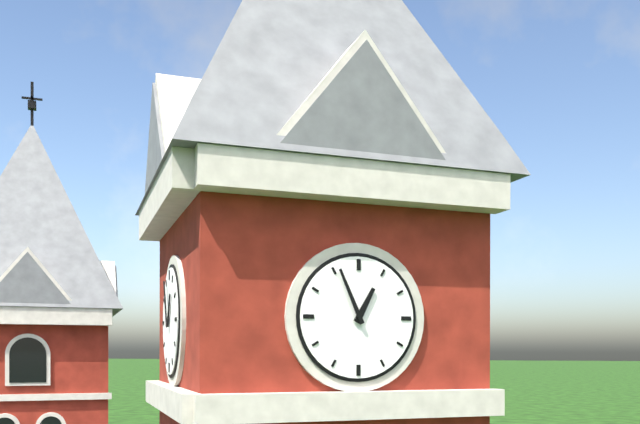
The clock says 12:56
